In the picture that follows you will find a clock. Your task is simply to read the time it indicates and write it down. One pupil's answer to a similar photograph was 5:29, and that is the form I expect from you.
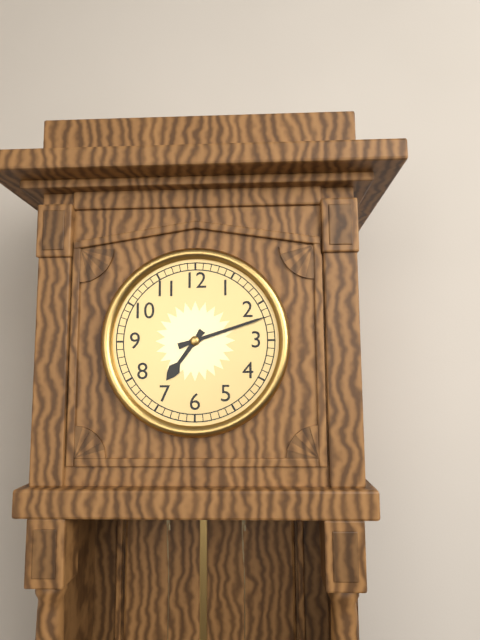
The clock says 7:12
